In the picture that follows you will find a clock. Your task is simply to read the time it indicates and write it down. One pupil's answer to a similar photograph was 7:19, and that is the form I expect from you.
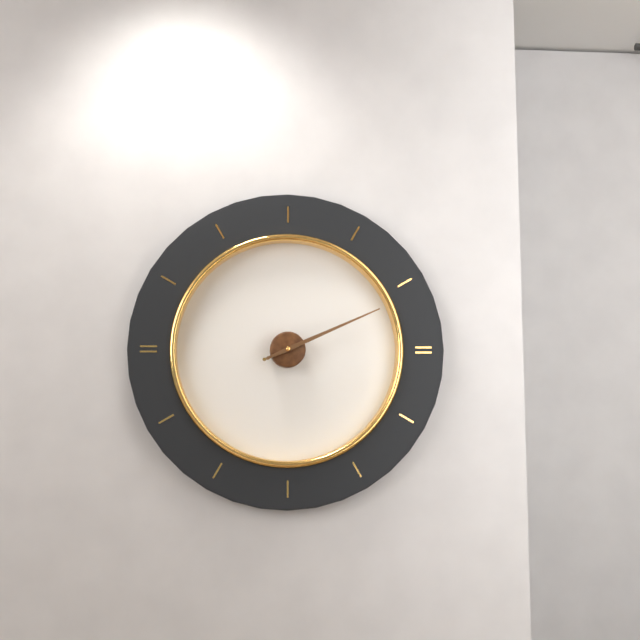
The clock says 2:11
